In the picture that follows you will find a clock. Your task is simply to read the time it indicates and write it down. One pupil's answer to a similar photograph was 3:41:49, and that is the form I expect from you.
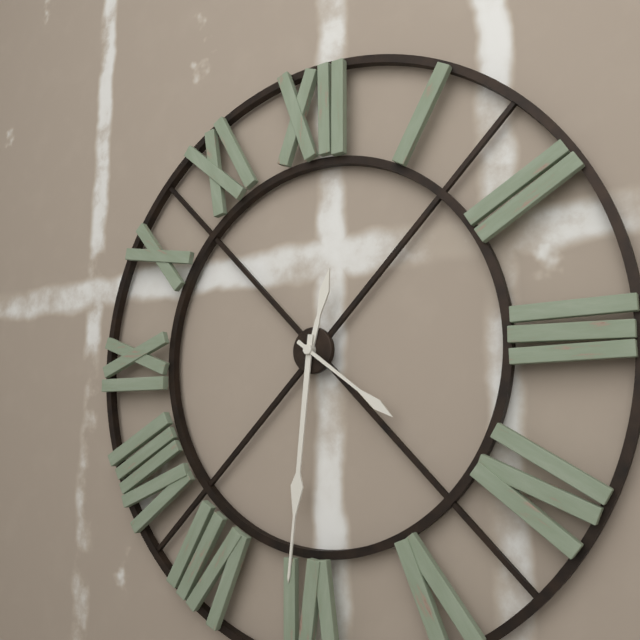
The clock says 12:31:21
